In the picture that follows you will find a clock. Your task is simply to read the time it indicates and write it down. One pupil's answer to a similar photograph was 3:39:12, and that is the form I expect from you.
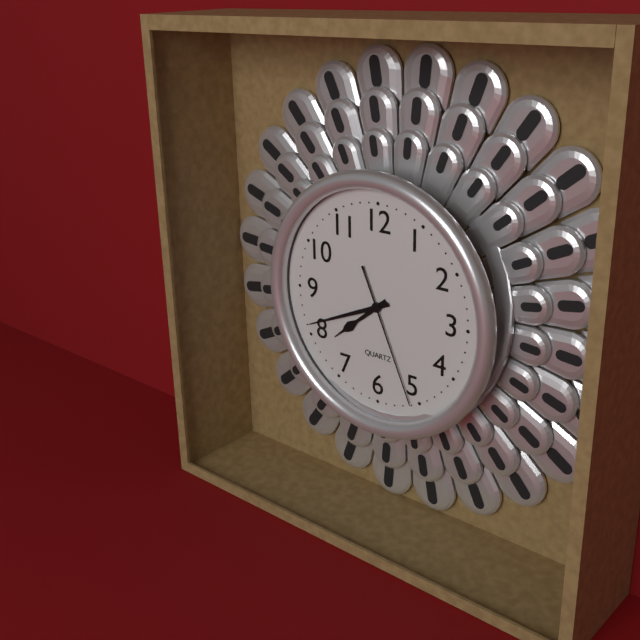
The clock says 7:41:26
